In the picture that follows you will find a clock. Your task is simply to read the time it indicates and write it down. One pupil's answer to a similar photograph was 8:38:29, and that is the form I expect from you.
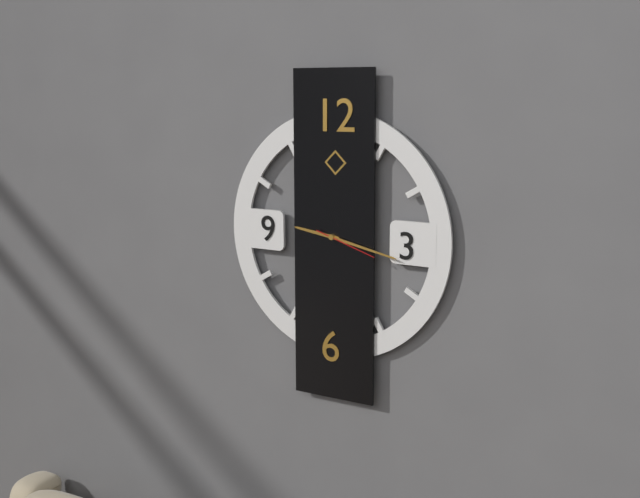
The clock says 9:17:18
